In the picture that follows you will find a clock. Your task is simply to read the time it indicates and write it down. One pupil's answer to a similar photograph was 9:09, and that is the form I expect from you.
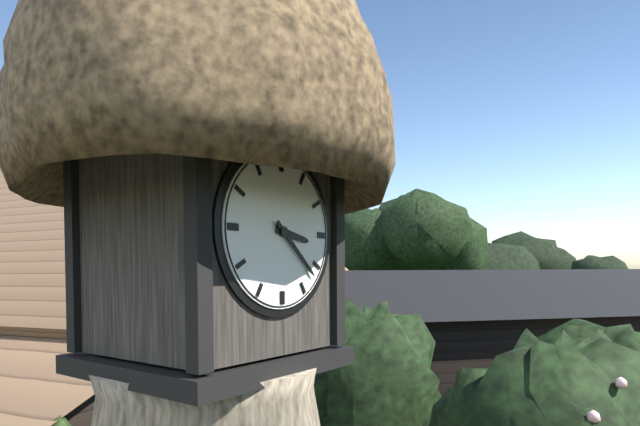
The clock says 3:22
